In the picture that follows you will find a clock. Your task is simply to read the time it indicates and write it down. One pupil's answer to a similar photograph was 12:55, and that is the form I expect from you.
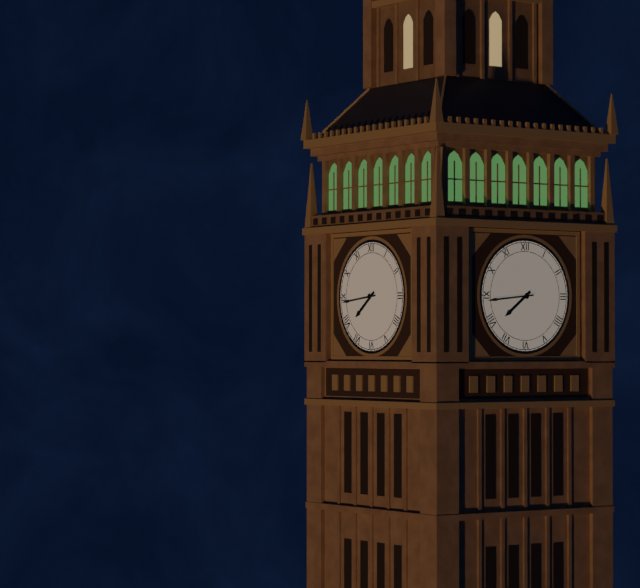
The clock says 7:44
